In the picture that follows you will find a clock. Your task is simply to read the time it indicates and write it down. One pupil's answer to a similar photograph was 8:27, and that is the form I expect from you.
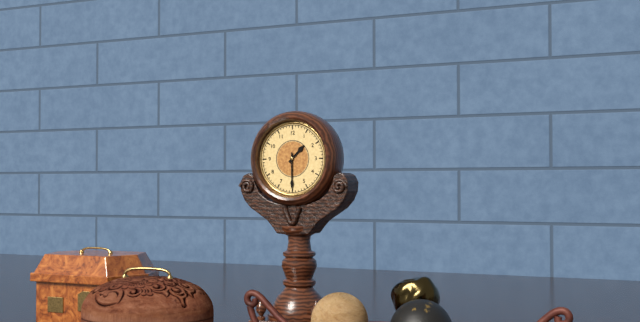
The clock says 1:30
